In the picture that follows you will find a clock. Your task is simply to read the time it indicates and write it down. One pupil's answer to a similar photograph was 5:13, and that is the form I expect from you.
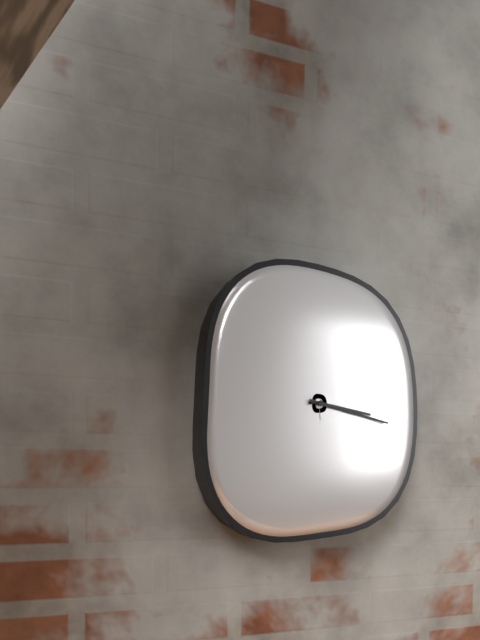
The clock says 3:17
